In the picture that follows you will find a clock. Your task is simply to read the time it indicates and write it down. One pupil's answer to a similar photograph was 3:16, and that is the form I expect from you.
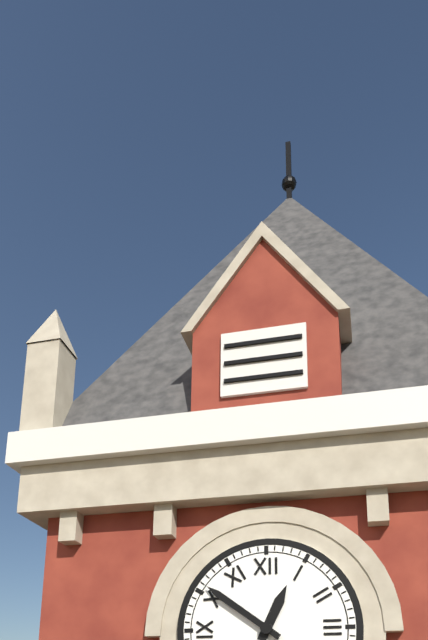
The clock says 12:51
